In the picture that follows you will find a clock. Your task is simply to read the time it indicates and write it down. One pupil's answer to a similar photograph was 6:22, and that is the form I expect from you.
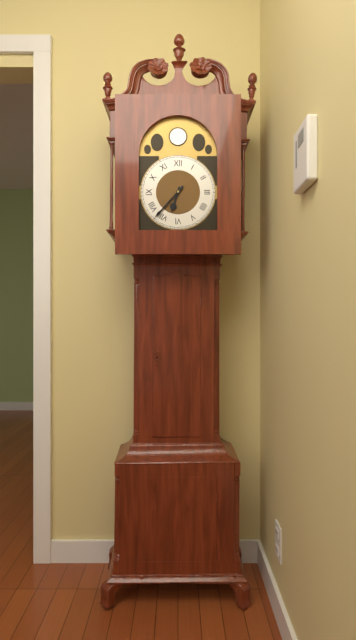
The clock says 6:37
